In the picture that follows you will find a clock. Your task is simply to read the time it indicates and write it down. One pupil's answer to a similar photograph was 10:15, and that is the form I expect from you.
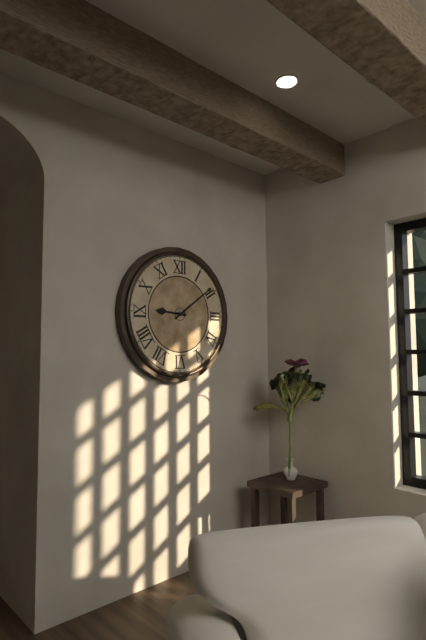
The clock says 9:09
